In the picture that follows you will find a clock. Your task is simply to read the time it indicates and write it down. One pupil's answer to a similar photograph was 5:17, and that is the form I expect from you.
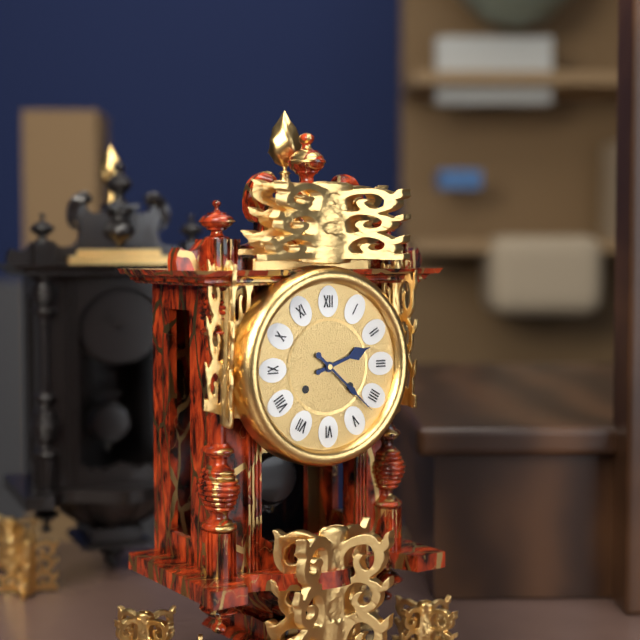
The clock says 2:22
